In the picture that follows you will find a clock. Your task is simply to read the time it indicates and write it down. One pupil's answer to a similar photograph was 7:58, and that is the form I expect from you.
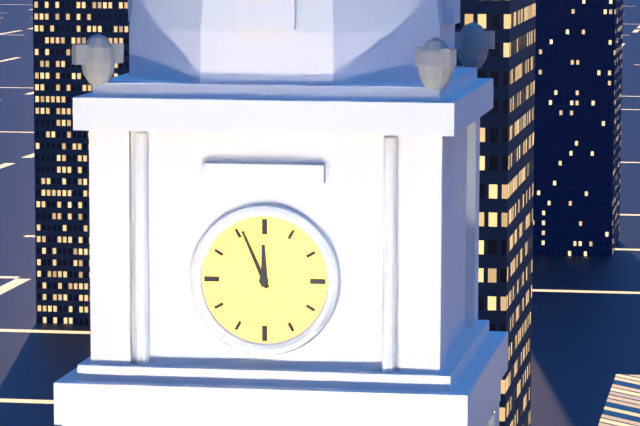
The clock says 11:56
